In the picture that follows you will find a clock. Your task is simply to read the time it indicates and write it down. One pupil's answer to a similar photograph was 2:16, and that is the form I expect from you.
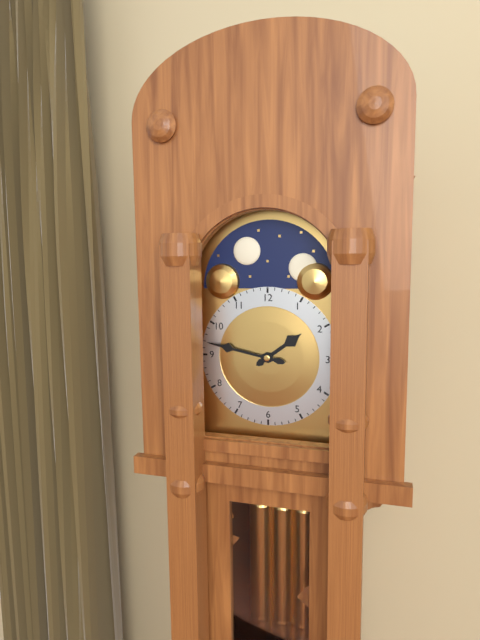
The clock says 1:47
